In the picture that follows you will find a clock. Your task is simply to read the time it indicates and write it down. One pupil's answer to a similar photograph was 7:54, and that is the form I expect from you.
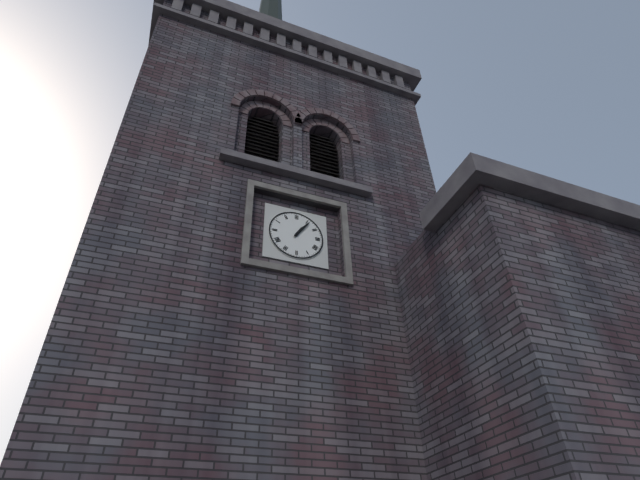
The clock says 1:06
